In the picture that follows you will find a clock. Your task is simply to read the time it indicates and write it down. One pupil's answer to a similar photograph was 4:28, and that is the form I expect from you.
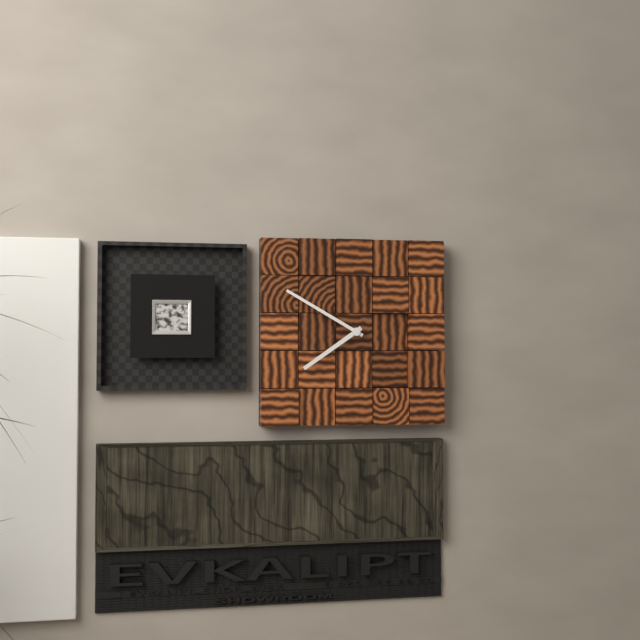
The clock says 7:50
